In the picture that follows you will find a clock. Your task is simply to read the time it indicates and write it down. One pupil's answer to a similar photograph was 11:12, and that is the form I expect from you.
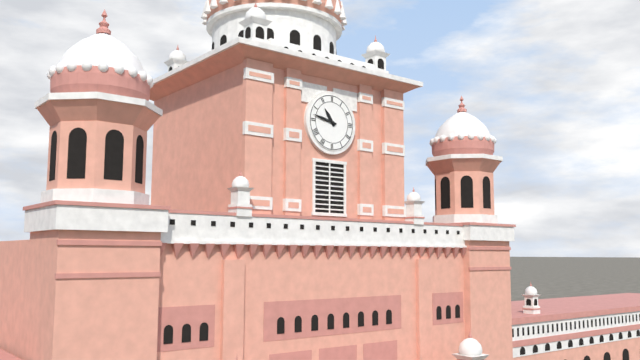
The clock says 10:47
